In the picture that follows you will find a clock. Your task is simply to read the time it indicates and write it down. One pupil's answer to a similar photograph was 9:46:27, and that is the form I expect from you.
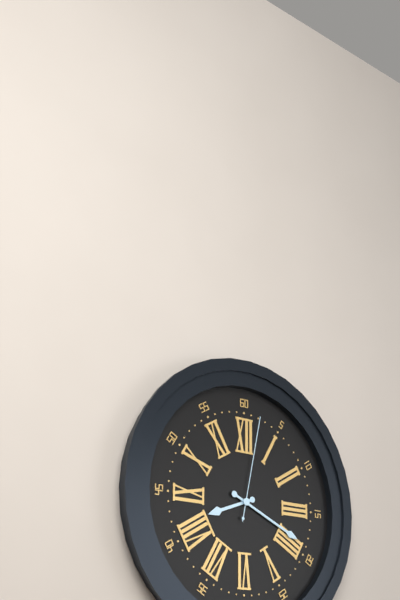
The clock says 8:19:02
